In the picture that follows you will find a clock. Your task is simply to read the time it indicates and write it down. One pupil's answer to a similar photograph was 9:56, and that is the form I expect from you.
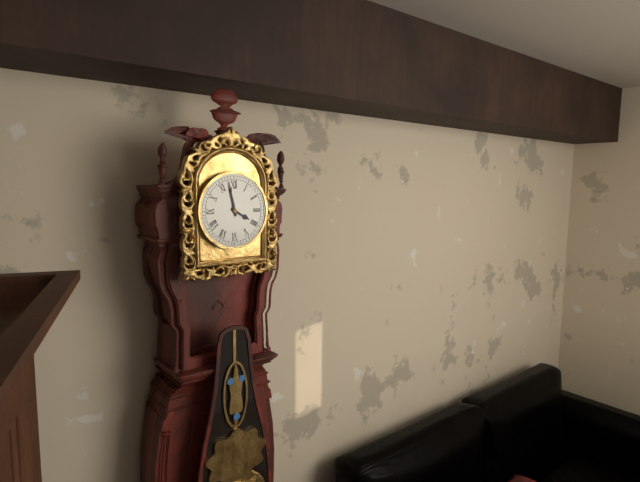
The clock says 3:58
